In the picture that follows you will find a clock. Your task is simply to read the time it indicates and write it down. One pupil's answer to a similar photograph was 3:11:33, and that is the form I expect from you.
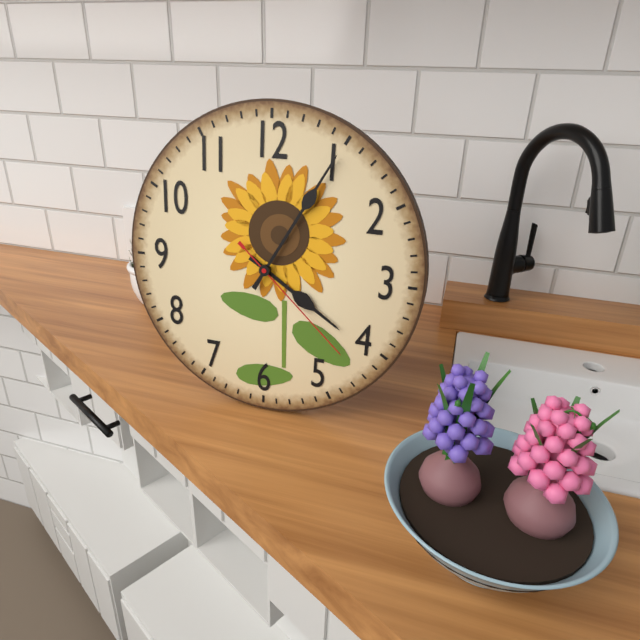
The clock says 4:05:22
